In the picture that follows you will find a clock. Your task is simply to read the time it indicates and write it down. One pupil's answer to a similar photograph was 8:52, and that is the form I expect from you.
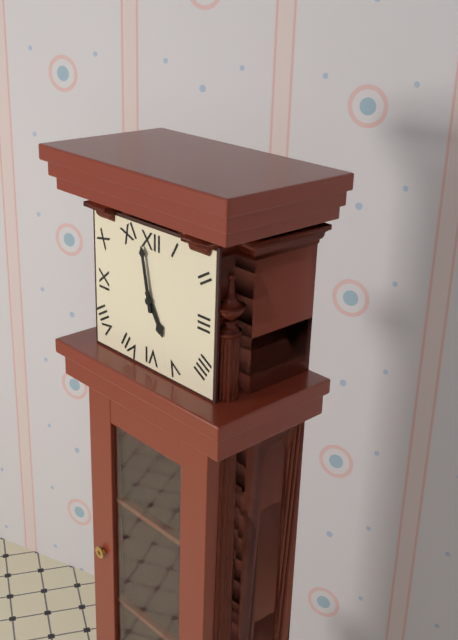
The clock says 4:58
